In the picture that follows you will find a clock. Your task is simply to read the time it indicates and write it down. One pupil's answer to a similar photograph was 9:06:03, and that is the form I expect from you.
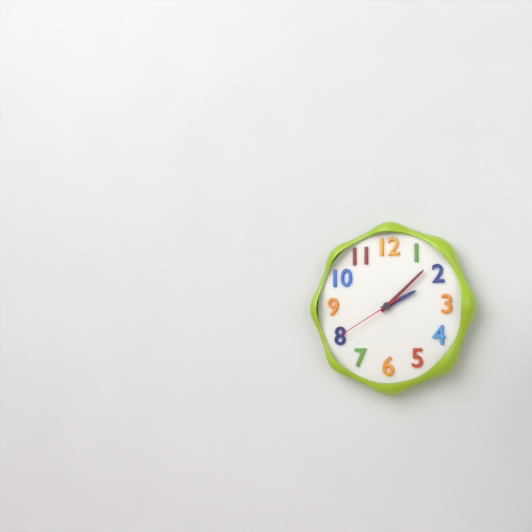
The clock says 2:08:40
